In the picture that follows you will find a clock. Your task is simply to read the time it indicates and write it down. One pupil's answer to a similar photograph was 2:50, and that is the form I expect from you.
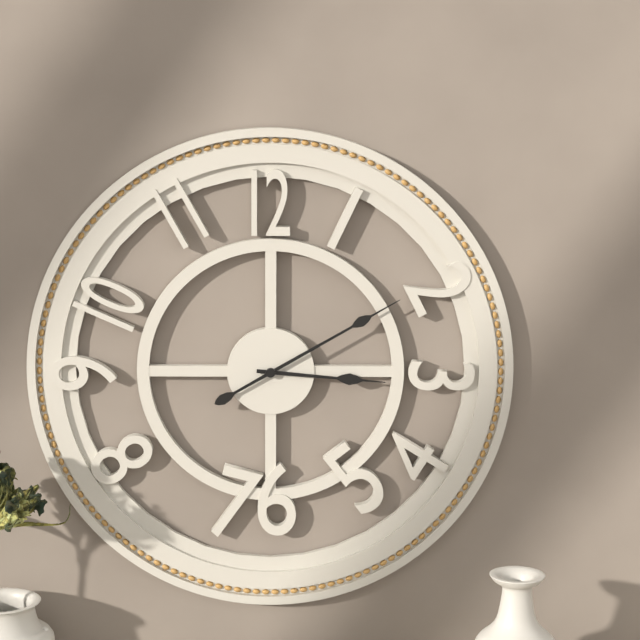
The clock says 3:10
